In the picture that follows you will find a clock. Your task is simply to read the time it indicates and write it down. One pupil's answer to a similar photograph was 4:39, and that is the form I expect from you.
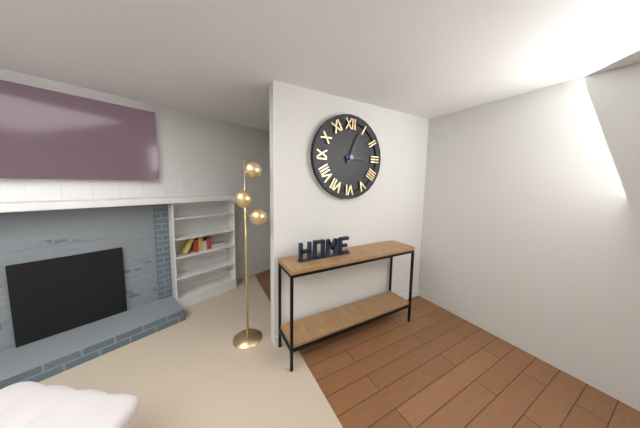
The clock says 3:04
